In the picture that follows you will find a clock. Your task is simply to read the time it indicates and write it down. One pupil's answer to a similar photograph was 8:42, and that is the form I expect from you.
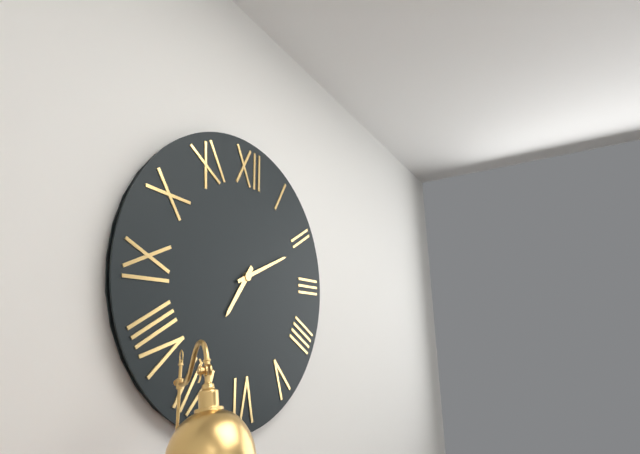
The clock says 7:11
